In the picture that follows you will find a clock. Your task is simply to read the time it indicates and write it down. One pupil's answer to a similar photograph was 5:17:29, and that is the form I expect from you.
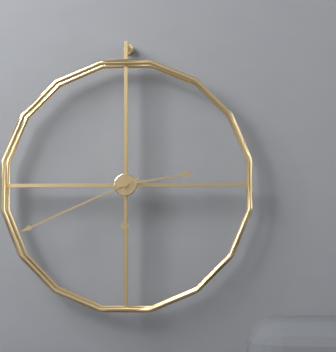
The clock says 2:41:00
